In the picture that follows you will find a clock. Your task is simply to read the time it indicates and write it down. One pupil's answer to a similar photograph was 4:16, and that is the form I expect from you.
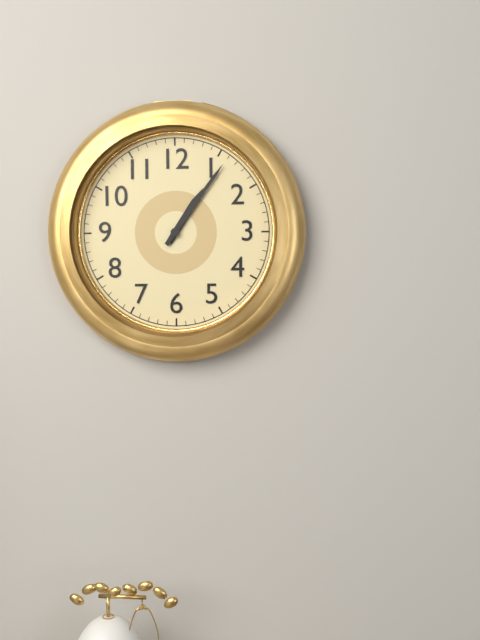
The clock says 1:06
